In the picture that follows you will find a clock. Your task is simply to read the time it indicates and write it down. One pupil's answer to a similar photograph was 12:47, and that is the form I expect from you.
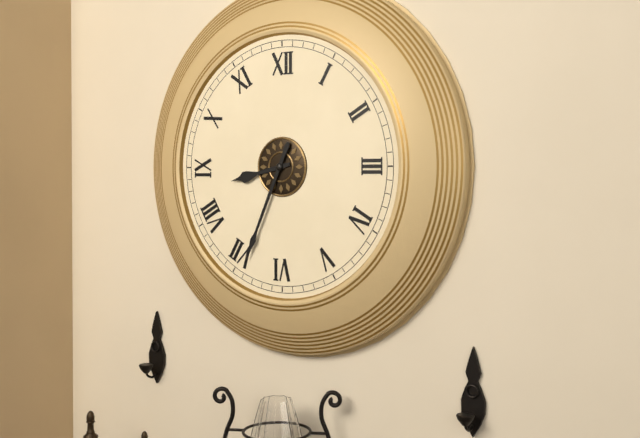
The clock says 8:34
